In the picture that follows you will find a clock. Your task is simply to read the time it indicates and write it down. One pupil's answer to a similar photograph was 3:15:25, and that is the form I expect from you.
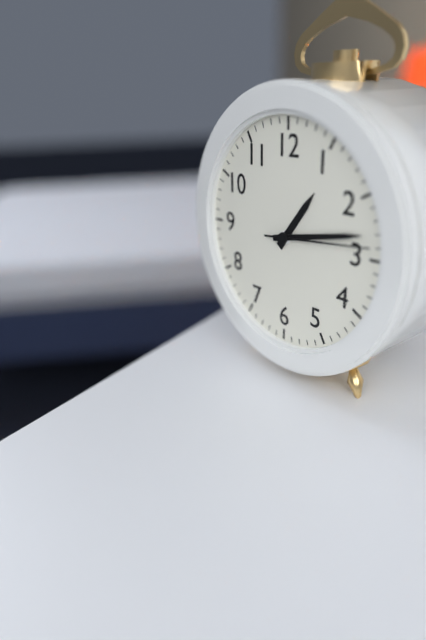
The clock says 1:13:14
